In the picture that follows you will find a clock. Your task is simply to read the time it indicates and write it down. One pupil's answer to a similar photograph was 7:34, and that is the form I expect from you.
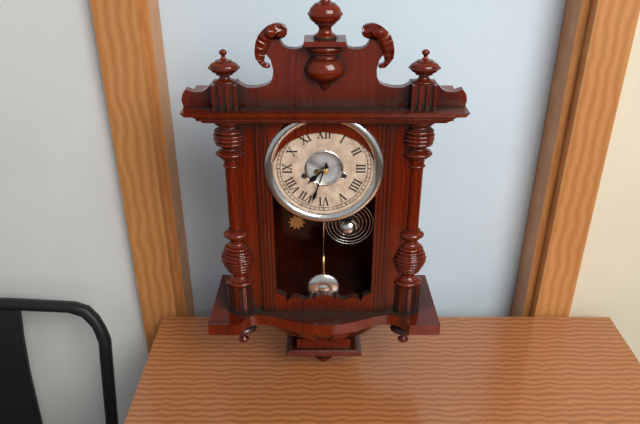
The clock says 7:33
